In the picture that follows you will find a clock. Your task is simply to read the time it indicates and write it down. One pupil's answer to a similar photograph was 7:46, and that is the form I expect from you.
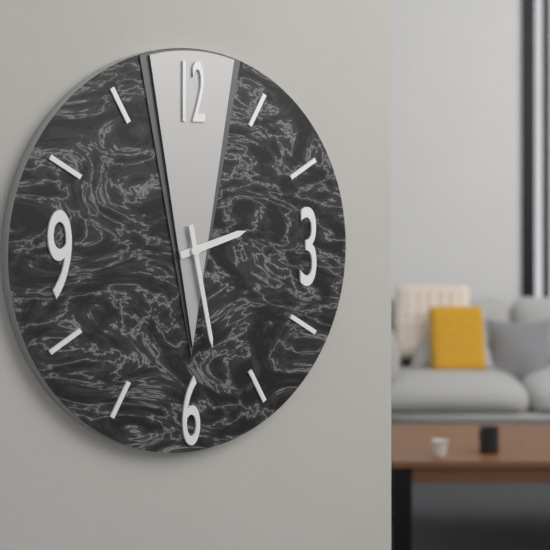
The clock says 2:28
